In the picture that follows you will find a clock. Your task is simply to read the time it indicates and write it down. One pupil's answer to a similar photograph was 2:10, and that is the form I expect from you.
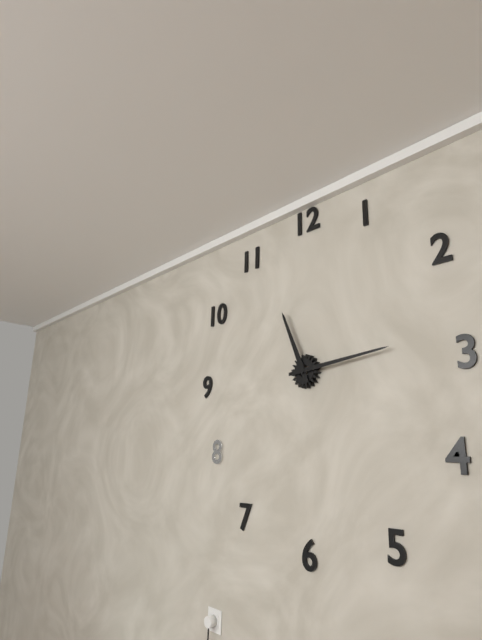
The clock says 11:14
